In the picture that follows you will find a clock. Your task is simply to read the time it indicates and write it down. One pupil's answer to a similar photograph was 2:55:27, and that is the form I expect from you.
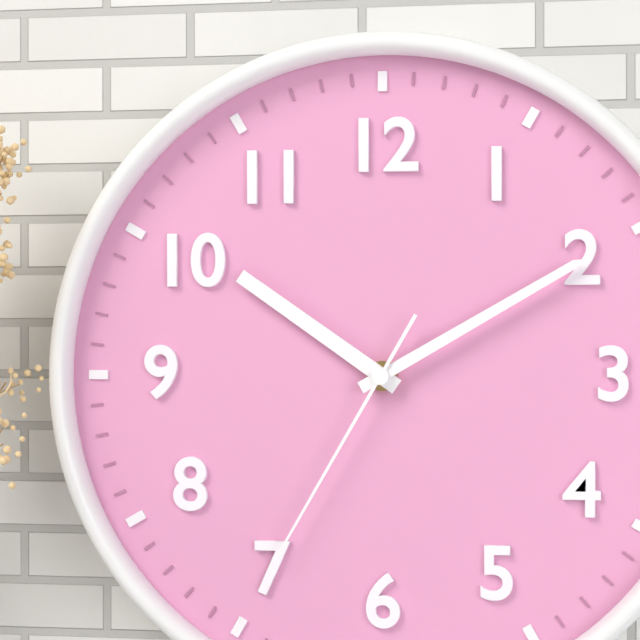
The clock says 10:10:35
